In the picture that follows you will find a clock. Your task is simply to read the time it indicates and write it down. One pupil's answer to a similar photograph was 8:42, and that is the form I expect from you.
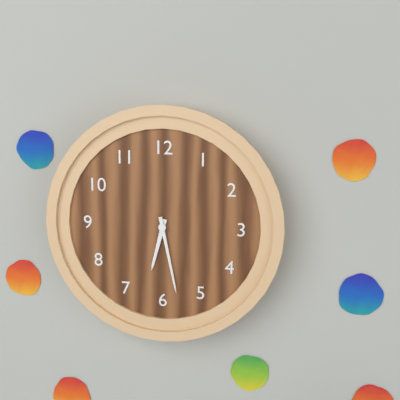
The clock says 6:28
